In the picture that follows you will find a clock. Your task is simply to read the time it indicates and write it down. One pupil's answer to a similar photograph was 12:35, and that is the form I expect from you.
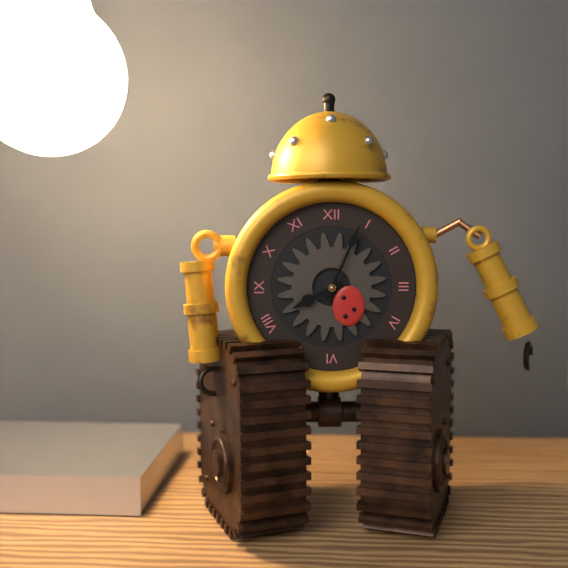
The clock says 8:04
